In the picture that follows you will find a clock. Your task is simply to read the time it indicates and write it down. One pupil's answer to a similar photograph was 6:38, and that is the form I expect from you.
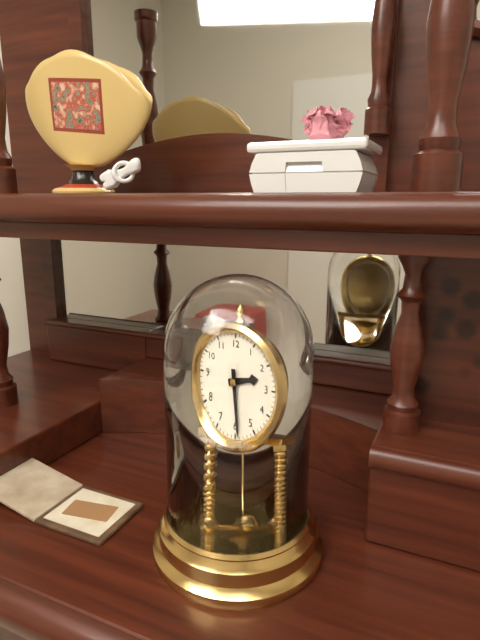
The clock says 2:29
